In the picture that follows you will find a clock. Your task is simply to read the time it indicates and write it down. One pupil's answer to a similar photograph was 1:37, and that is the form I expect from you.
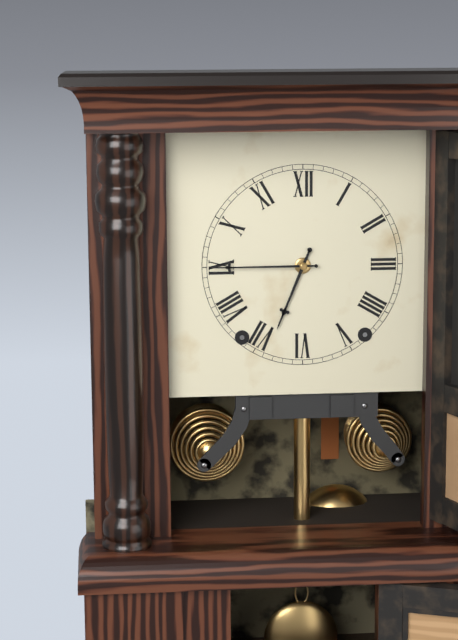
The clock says 6:45
